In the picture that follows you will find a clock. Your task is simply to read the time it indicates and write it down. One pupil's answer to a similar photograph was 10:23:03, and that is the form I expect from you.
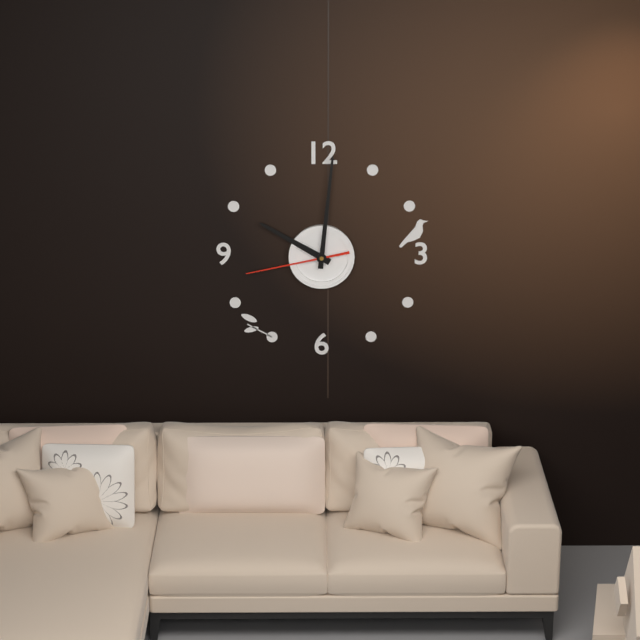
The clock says 10:01:43
